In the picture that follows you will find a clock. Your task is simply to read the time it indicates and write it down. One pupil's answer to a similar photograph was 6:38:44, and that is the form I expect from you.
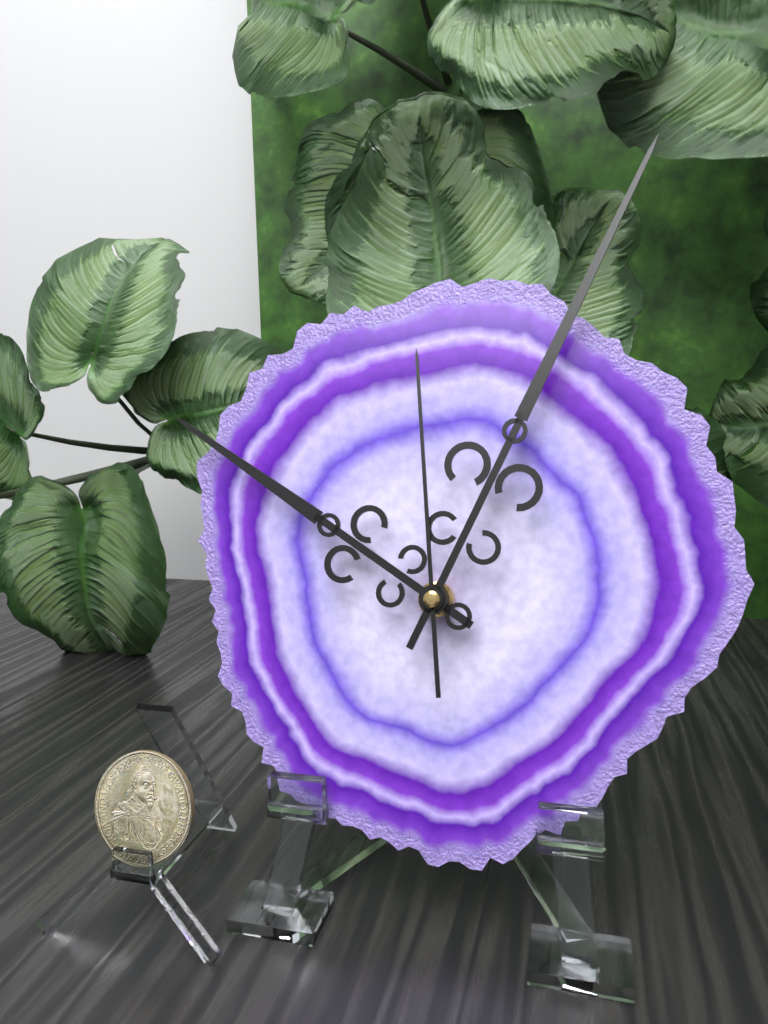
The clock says 10:04:59
